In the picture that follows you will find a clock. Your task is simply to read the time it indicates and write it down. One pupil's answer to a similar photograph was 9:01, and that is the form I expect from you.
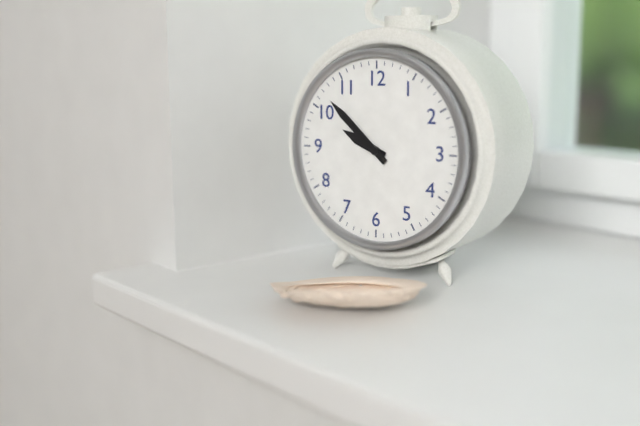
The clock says 9:52
